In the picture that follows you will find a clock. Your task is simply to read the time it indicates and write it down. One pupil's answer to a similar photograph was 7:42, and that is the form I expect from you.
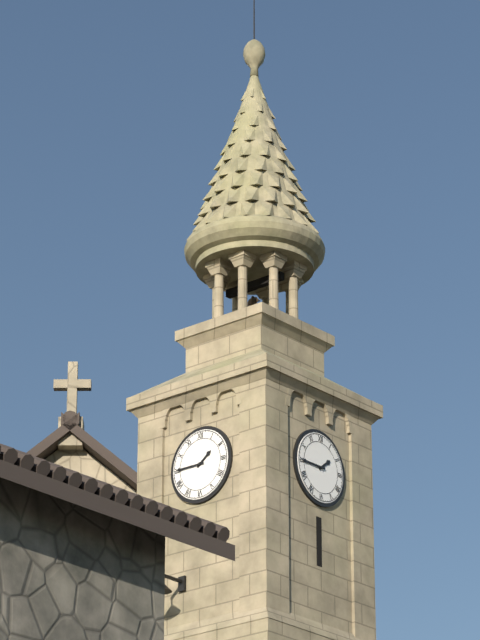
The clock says 1:45
